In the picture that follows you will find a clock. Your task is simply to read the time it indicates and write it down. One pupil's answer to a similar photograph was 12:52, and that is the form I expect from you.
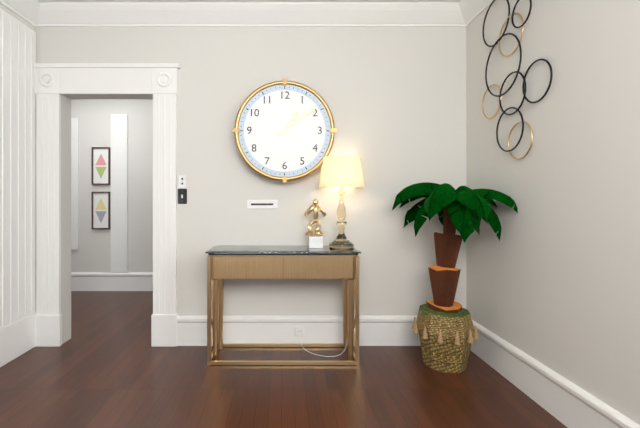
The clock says 1:09
